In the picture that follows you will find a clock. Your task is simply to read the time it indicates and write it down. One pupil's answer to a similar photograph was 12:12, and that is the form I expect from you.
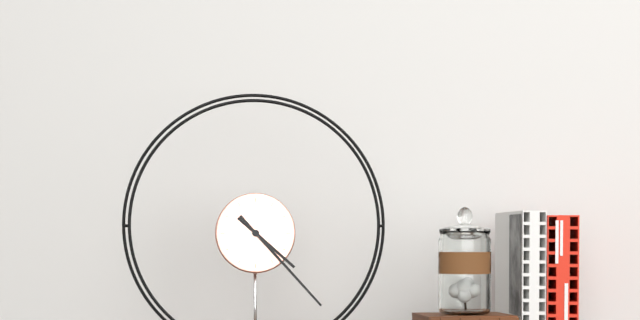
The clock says 4:23
